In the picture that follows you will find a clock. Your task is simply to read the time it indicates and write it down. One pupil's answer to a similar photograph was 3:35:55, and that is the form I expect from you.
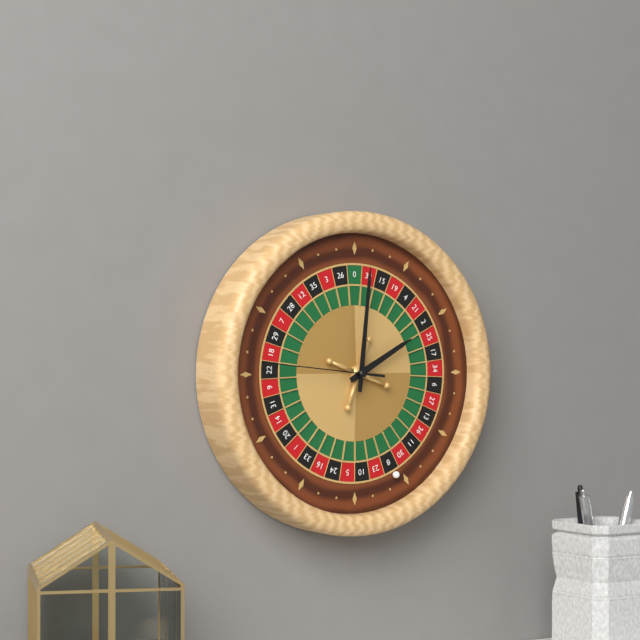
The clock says 2:01:46
